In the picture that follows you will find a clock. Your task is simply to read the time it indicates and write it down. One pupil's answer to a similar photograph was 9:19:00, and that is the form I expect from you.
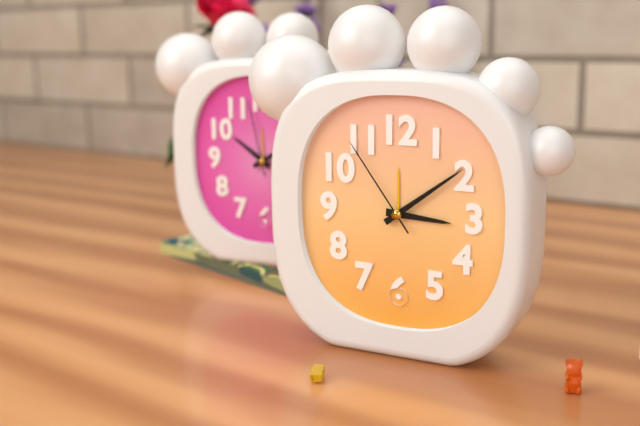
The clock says 3:09:54
